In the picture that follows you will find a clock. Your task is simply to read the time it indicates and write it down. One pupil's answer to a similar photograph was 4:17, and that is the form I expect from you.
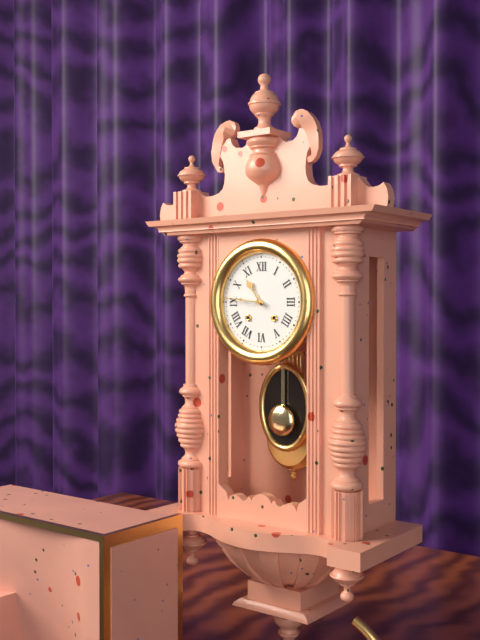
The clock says 10:46
